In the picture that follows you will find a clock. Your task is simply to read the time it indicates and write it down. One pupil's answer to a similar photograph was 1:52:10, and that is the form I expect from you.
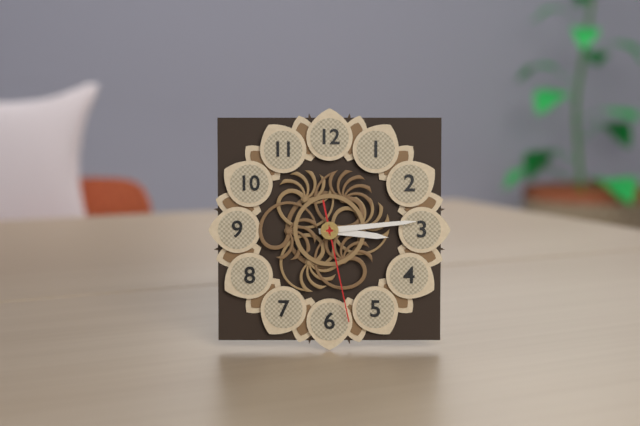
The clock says 3:14:28
